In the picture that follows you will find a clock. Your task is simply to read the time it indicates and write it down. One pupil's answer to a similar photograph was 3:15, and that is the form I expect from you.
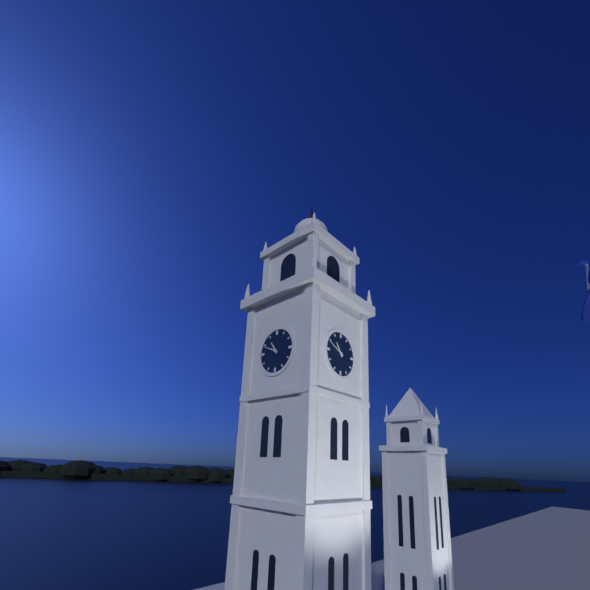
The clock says 10:49
